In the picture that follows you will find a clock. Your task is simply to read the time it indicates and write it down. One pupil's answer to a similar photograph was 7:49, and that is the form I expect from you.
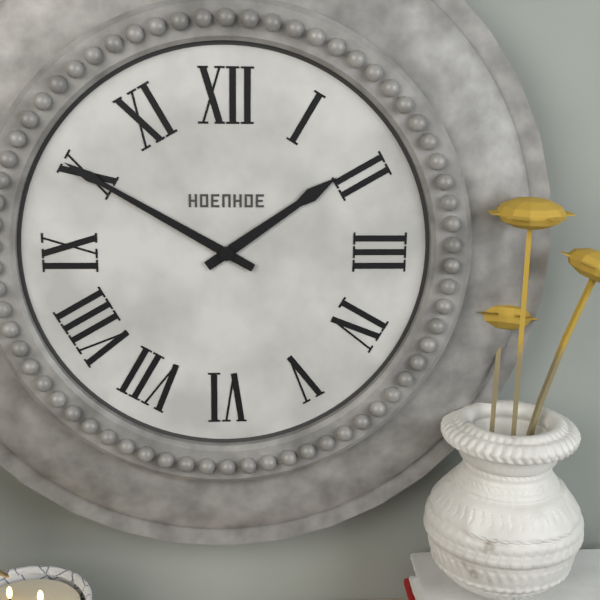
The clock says 1:50
